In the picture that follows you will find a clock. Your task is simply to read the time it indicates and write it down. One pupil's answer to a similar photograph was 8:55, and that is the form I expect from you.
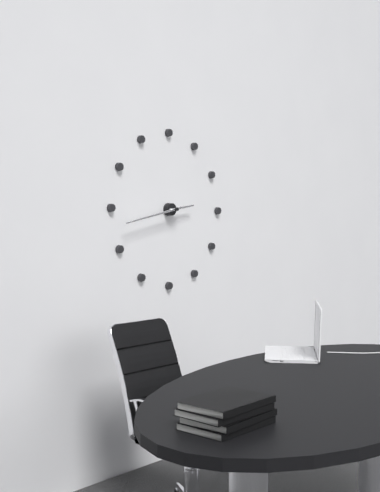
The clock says 2:43
